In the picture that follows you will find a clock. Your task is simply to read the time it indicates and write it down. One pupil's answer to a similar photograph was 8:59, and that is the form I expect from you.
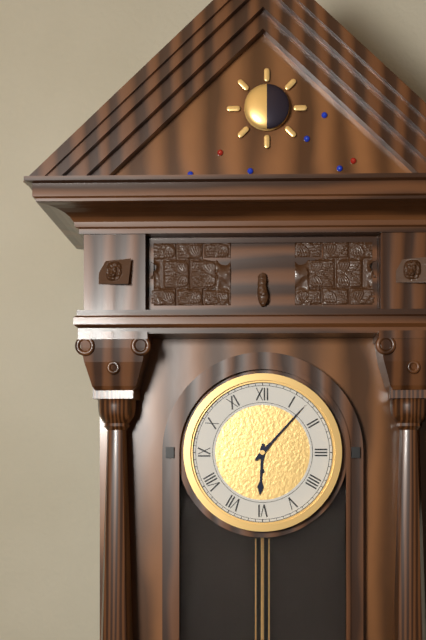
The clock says 6:07
